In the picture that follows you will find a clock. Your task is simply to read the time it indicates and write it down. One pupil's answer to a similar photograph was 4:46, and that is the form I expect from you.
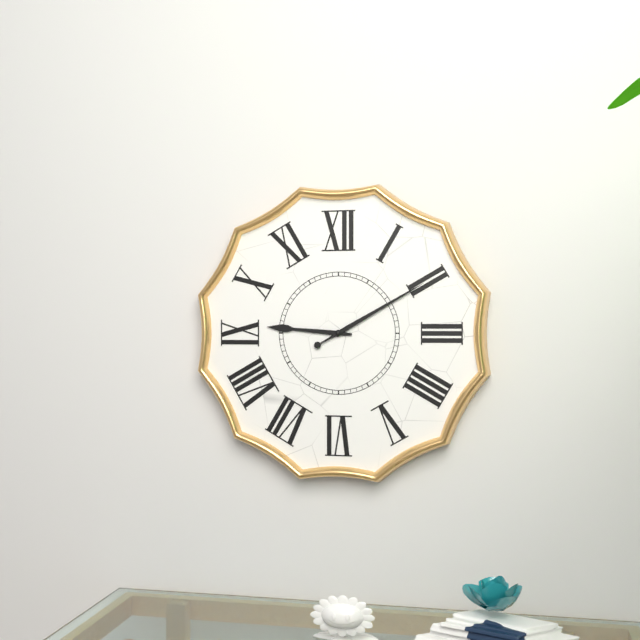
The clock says 9:10
